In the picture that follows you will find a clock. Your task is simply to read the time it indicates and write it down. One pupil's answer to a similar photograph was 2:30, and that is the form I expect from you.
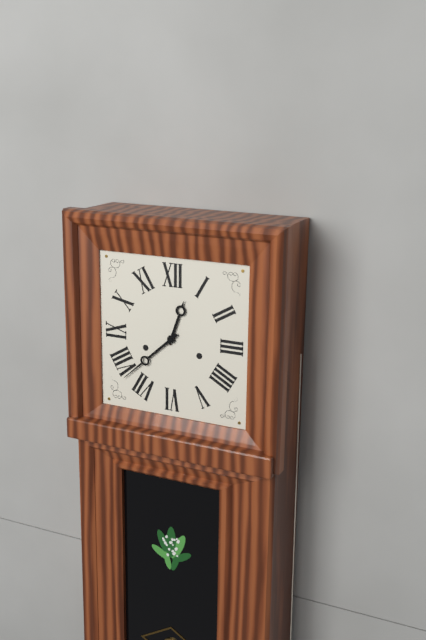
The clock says 12:38
